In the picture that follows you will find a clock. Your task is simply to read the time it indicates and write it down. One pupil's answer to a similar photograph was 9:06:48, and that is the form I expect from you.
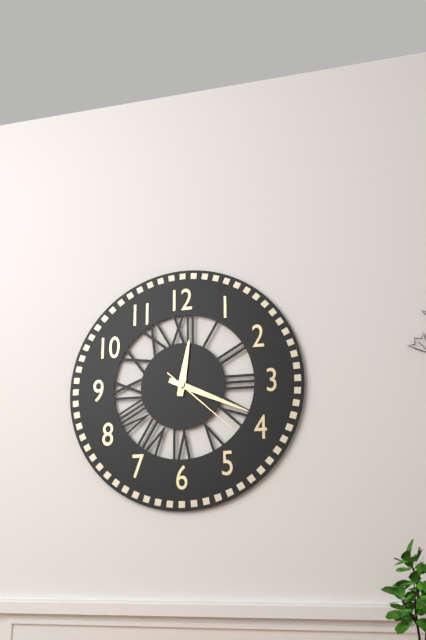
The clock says 12:19:22
